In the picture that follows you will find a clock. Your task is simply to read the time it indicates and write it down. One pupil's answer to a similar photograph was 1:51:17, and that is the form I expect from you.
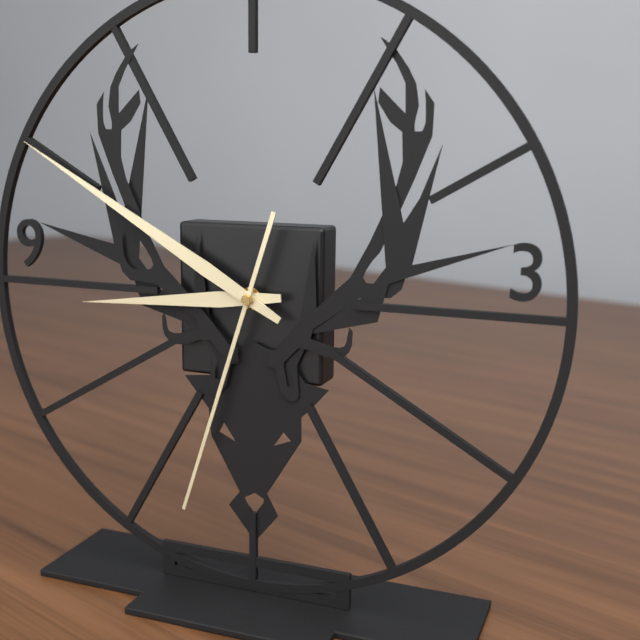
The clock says 8:50:33
